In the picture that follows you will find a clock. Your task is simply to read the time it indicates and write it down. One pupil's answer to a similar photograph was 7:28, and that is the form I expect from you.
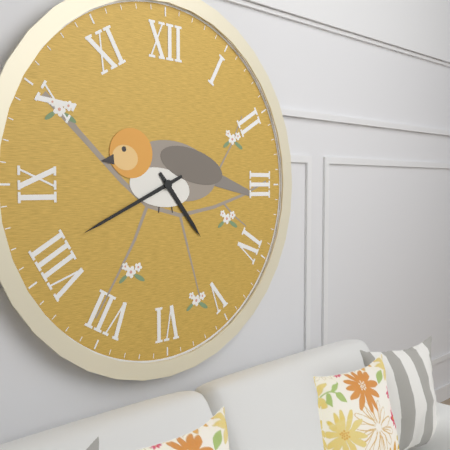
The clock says 4:41
